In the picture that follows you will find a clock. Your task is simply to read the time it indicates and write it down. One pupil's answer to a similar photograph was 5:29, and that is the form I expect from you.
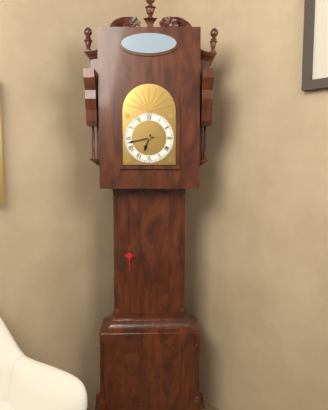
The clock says 6:43
